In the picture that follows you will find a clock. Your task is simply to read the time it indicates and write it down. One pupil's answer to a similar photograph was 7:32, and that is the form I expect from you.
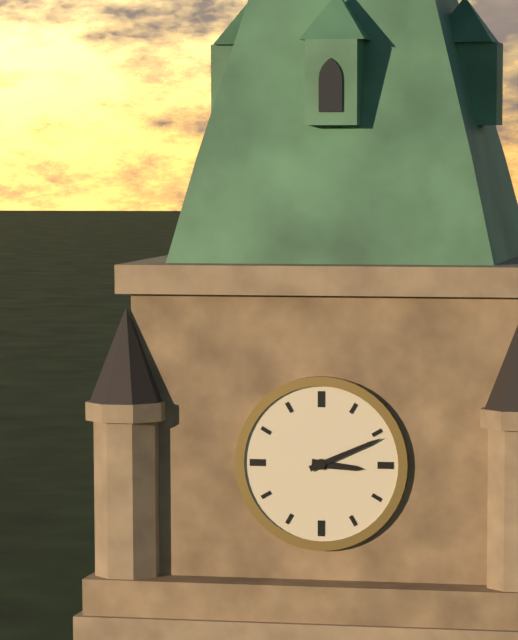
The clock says 3:11
